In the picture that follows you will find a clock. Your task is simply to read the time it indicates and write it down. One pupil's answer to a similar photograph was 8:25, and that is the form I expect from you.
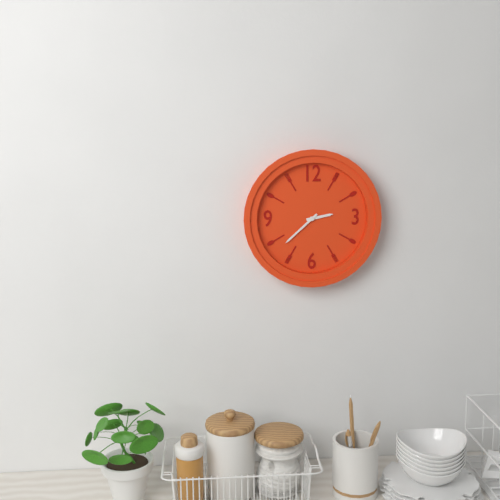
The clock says 2:38
